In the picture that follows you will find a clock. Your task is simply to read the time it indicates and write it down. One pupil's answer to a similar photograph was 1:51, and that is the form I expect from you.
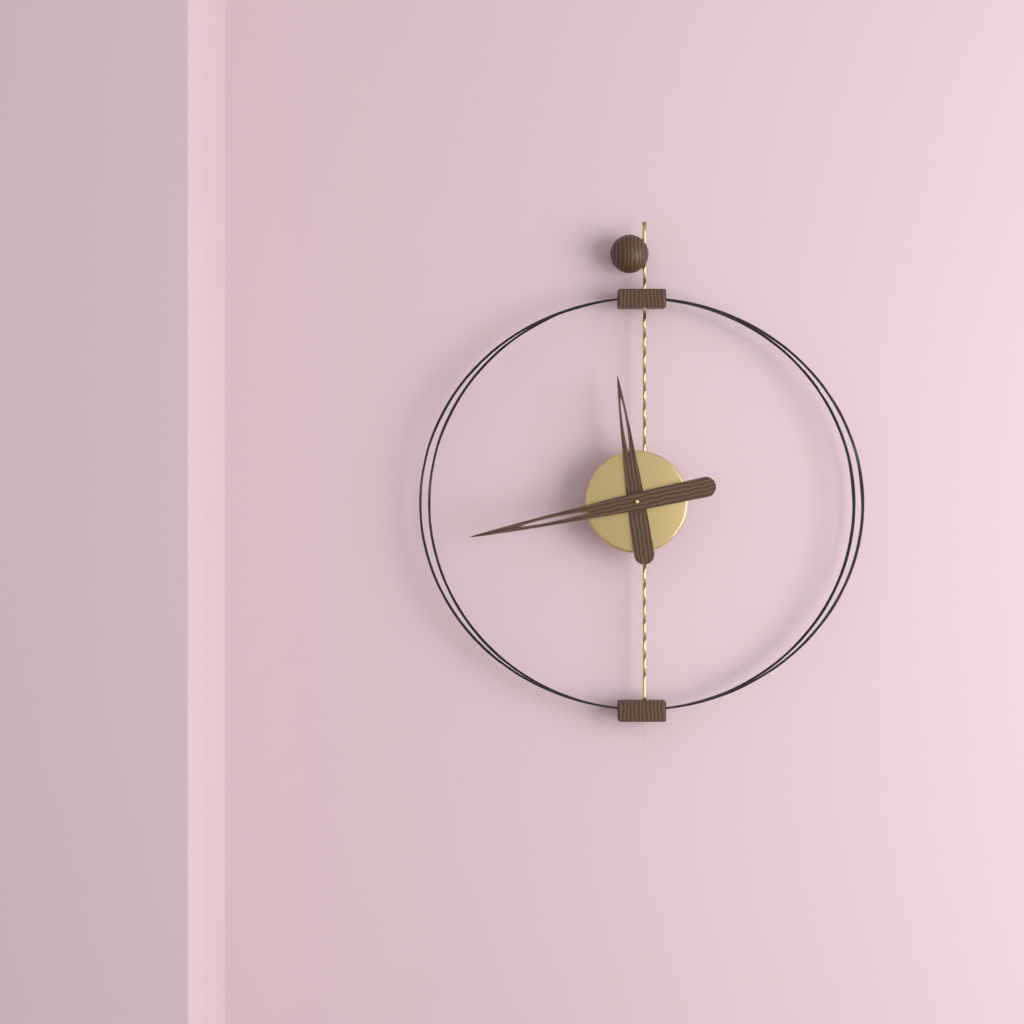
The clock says 11:43
